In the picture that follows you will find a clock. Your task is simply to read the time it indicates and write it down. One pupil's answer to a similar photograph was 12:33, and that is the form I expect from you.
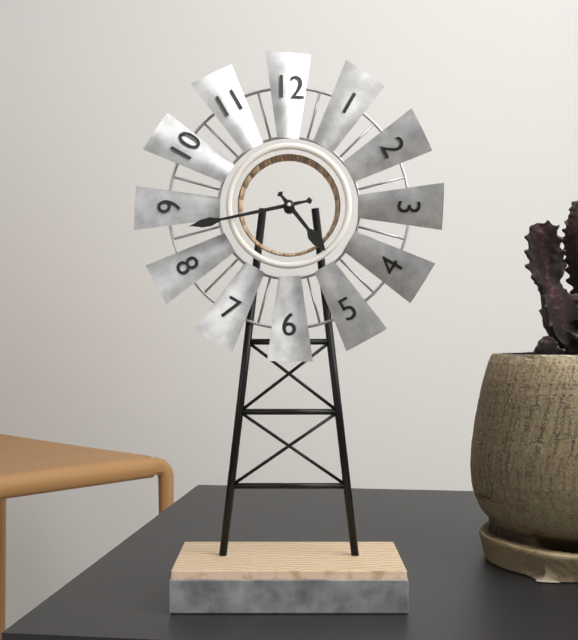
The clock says 4:43
